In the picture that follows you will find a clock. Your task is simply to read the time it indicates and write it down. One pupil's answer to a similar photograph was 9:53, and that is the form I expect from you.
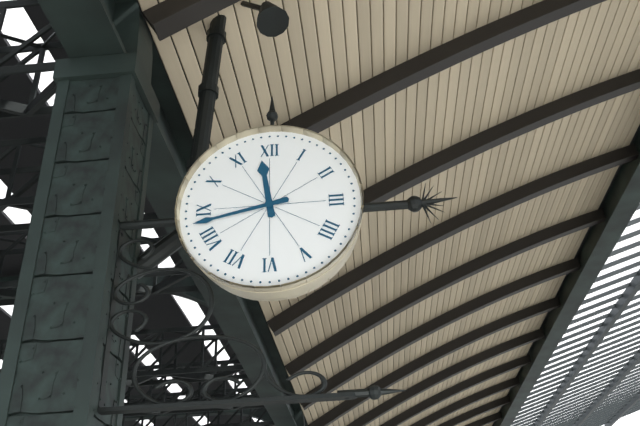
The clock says 11:43
